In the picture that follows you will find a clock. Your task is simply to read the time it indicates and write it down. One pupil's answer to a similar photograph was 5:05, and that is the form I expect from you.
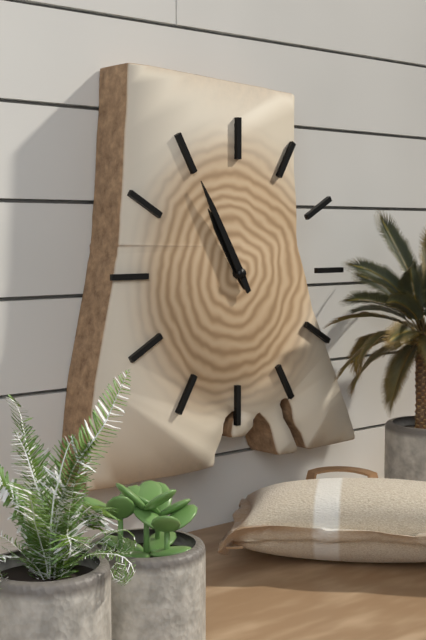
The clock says 10:55
